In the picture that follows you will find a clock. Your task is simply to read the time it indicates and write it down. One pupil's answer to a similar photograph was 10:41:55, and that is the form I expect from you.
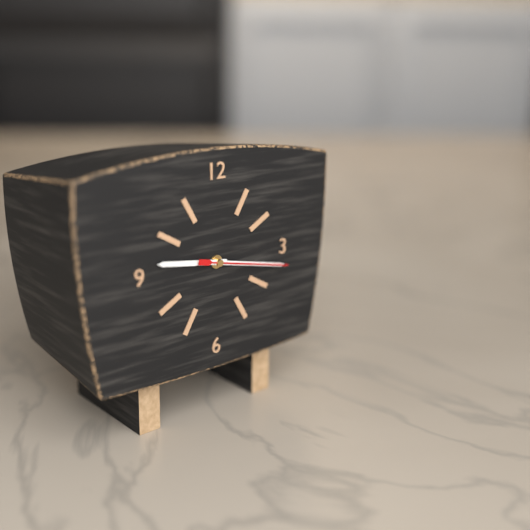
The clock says 9:17:17
